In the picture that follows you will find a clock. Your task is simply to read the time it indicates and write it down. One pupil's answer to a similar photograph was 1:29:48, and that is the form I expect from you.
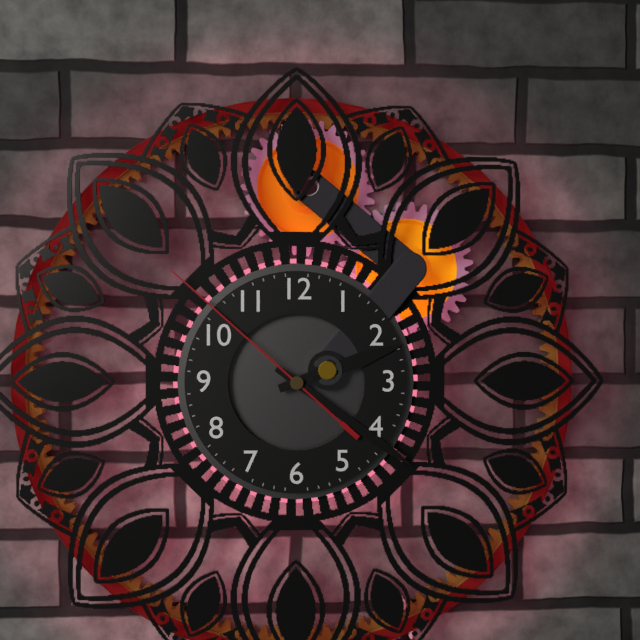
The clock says 2:21:52
